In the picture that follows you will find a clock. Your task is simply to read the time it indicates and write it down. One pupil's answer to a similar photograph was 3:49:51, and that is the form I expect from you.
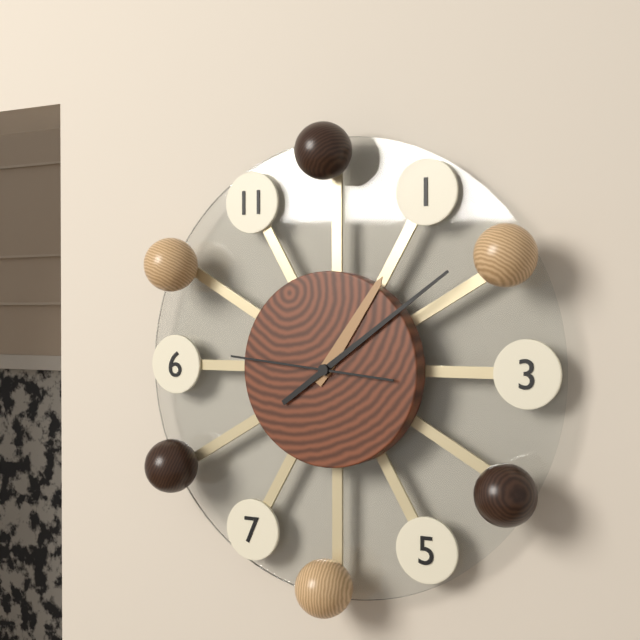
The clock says 1:09:46
